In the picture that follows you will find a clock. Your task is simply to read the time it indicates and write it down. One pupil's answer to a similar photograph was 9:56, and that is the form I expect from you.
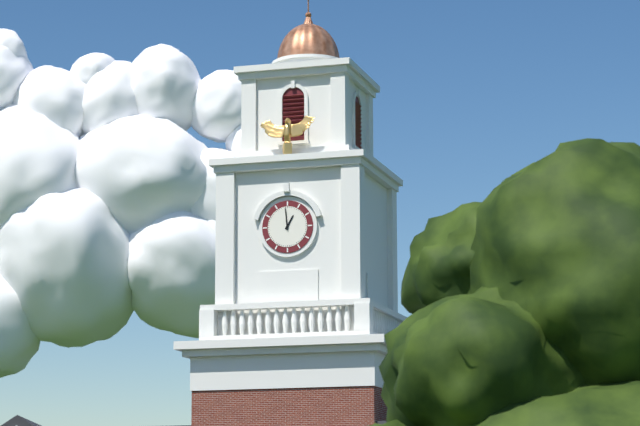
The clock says 12:59
